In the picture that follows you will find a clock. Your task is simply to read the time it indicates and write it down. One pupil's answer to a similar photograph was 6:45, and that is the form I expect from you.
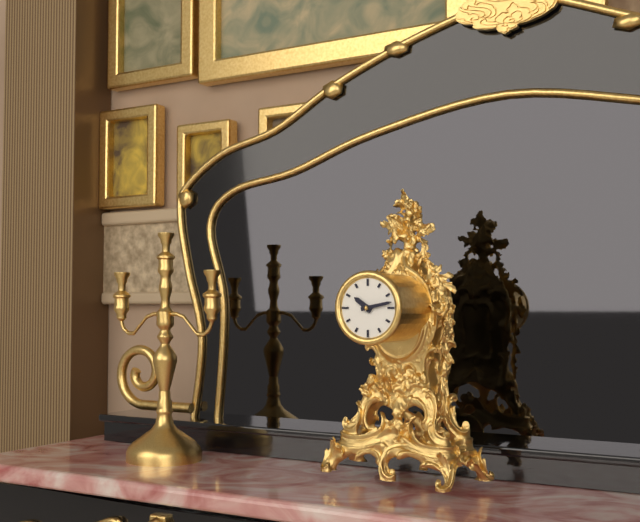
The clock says 10:13
